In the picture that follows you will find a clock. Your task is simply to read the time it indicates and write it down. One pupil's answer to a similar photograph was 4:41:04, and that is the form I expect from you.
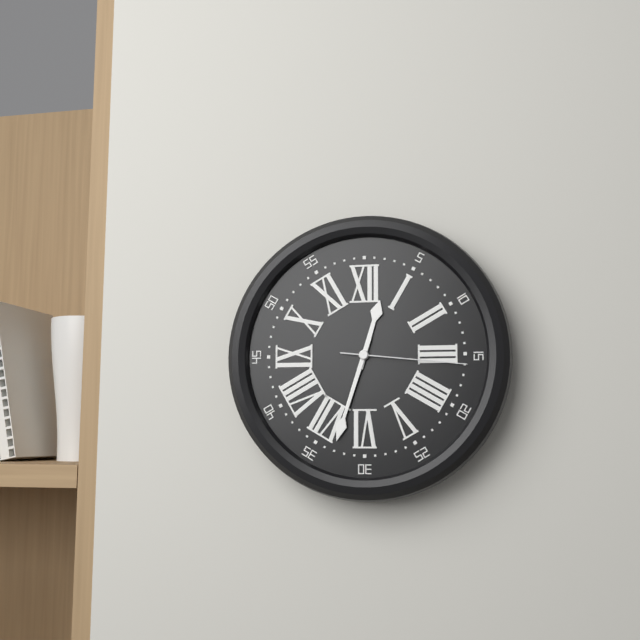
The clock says 12:33:16
